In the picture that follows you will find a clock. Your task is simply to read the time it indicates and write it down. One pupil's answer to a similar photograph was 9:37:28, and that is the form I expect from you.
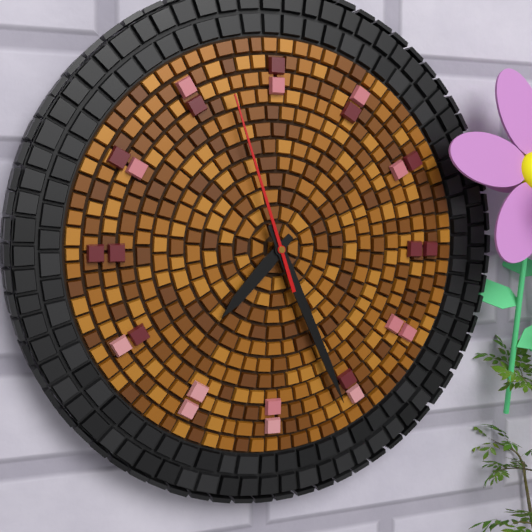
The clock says 7:26:57
